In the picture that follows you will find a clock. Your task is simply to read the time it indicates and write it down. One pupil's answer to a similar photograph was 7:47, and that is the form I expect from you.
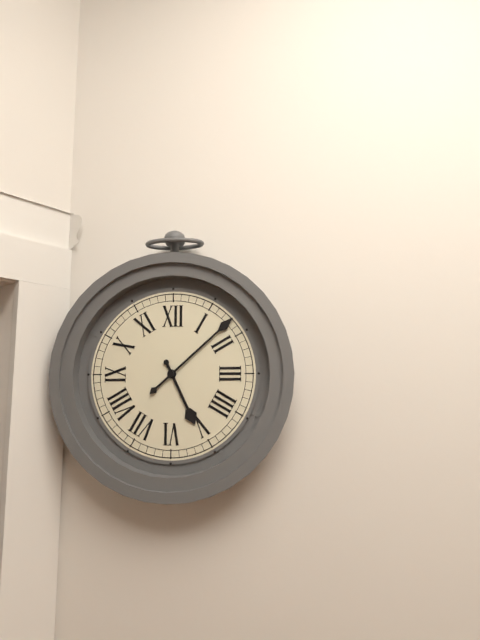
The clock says 5:08
